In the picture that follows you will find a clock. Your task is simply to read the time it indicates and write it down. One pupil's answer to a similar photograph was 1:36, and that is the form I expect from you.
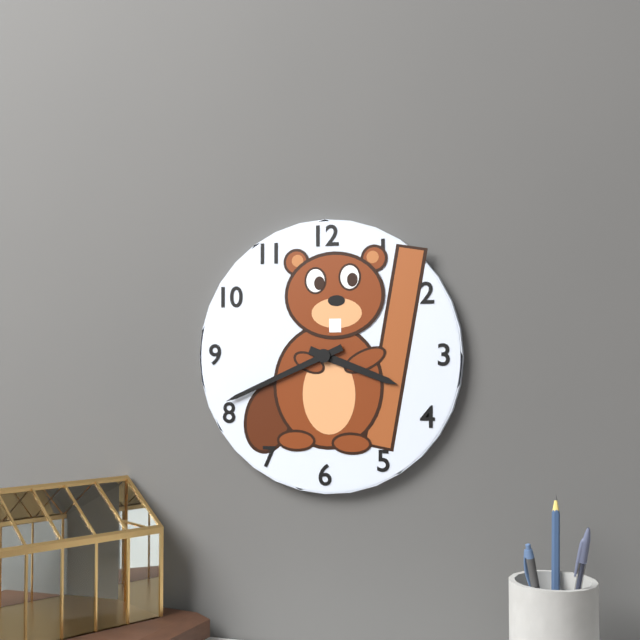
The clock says 3:41
